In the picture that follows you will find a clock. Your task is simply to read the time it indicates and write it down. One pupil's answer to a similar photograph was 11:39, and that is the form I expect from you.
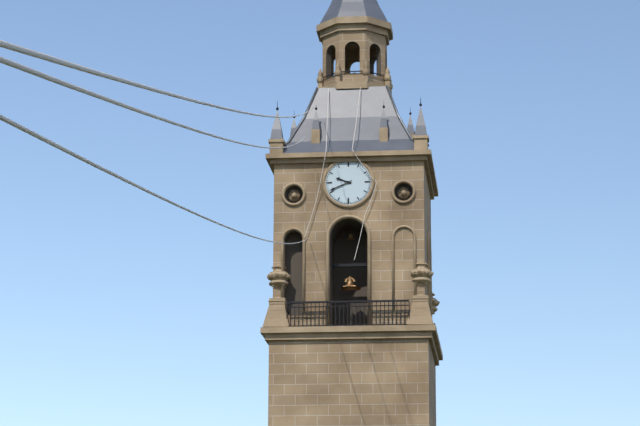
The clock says 9:41
